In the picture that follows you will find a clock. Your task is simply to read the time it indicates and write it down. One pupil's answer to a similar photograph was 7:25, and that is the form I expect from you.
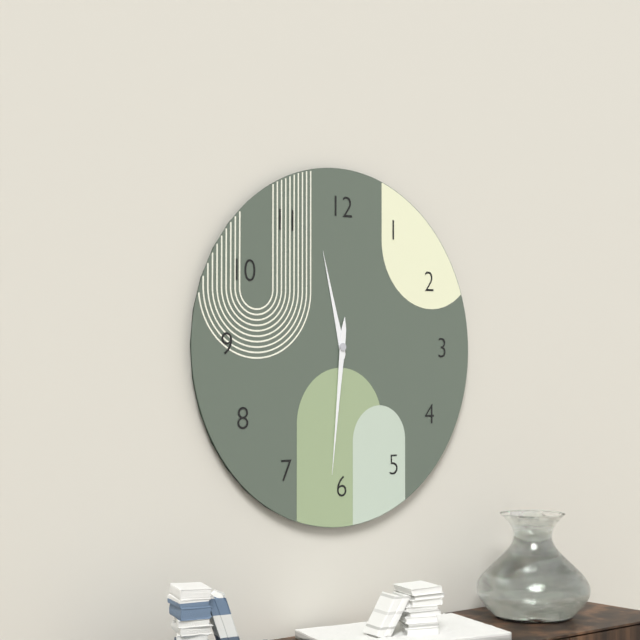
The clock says 11:31
